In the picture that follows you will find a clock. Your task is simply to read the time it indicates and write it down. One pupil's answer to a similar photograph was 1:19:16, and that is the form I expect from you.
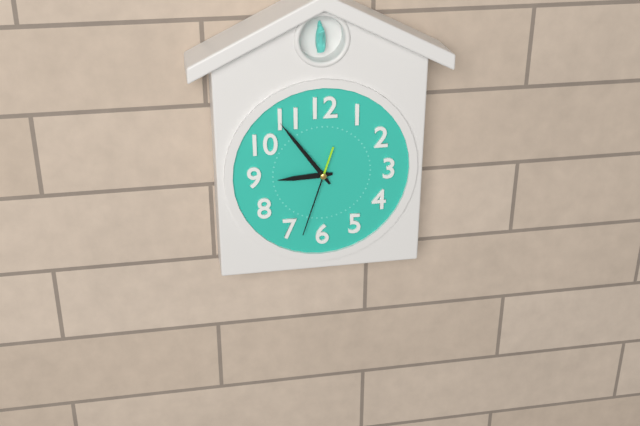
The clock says 8:54:33
